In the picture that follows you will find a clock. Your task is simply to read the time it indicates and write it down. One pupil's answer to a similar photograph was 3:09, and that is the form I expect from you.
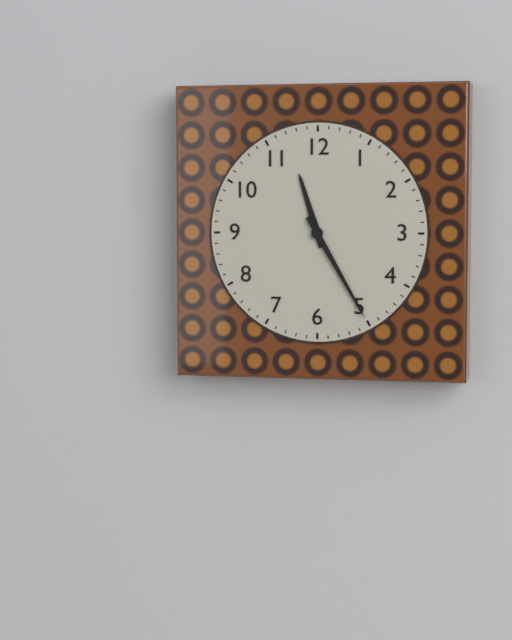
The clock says 11:25
